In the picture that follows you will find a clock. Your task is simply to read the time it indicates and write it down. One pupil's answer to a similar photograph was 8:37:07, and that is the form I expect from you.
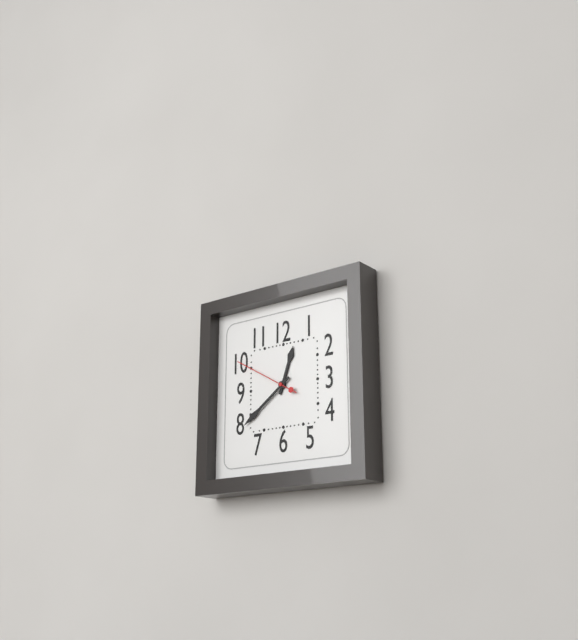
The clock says 12:39:50
